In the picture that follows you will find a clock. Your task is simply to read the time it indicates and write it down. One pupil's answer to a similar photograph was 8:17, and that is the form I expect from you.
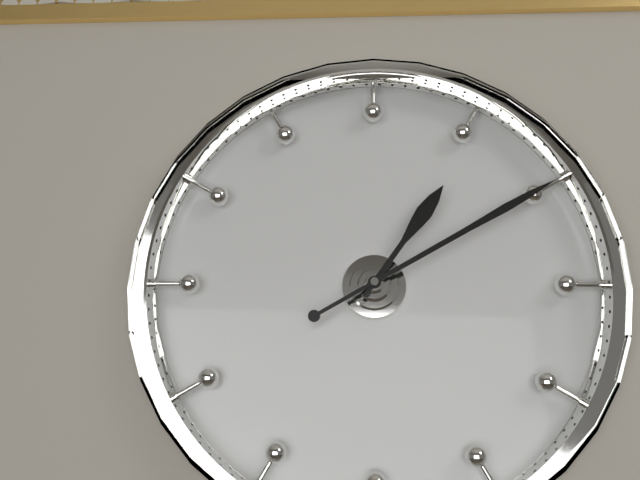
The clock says 1:10
